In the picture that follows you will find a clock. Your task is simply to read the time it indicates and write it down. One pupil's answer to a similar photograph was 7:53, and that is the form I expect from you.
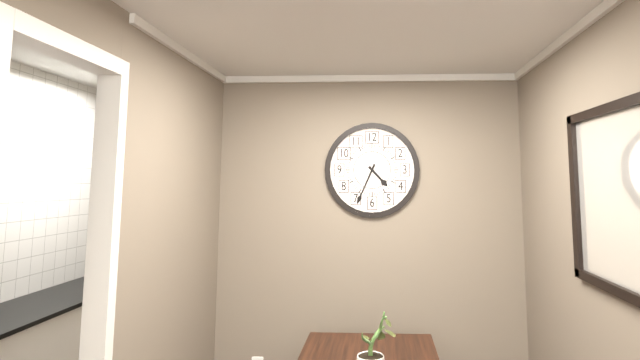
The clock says 4:34
